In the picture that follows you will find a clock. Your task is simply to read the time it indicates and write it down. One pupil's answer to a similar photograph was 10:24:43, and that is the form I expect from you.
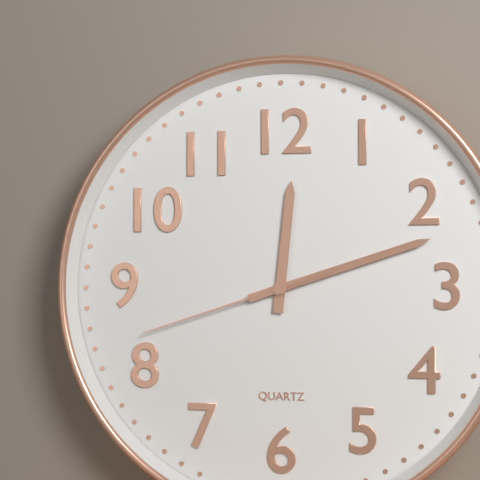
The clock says 12:12:42
